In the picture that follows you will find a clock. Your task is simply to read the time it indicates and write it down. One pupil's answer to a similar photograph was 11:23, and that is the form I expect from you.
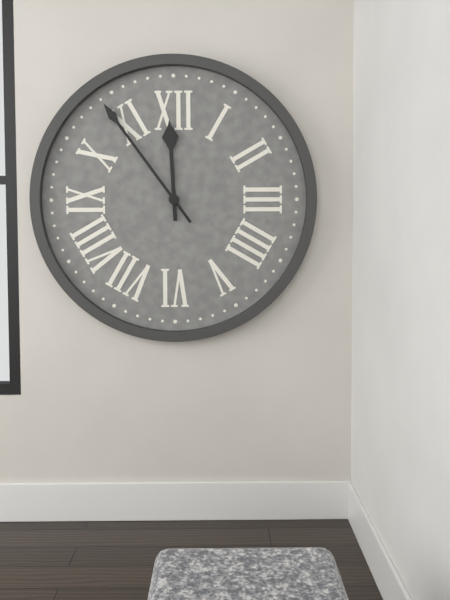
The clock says 11:54
